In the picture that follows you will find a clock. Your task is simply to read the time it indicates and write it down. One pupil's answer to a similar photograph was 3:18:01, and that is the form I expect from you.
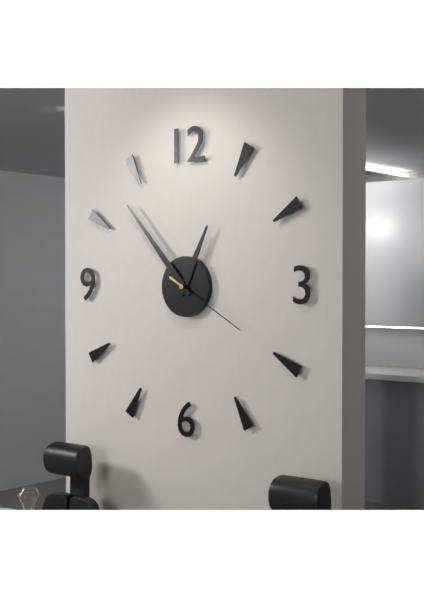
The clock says 12:53:20
